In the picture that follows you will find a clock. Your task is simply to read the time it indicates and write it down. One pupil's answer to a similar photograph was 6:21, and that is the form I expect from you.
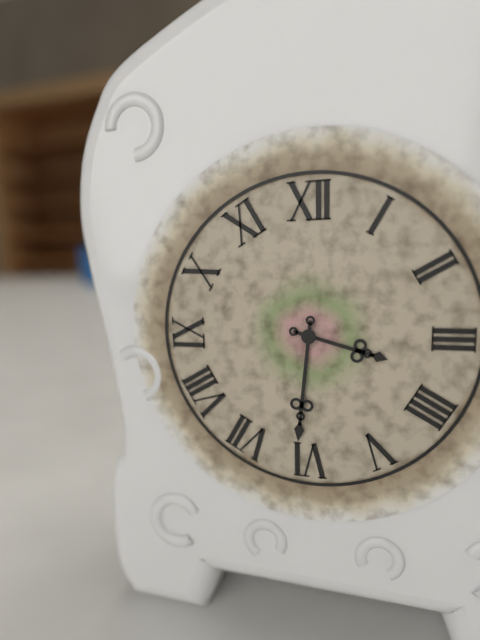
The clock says 3:31
